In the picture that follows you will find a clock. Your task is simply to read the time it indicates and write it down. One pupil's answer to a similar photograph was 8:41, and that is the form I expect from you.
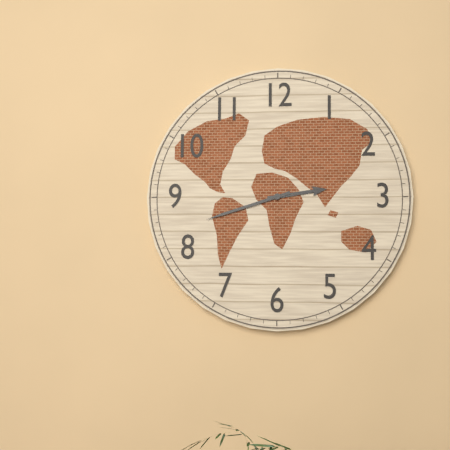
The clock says 2:42
